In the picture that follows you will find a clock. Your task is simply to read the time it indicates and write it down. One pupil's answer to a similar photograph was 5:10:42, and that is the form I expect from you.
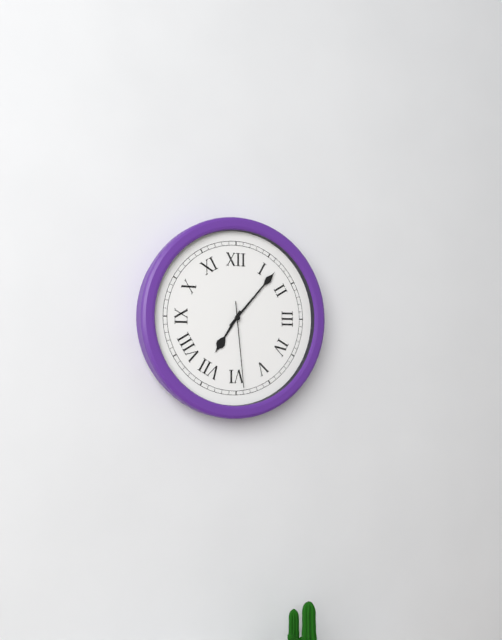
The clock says 7:07:29
